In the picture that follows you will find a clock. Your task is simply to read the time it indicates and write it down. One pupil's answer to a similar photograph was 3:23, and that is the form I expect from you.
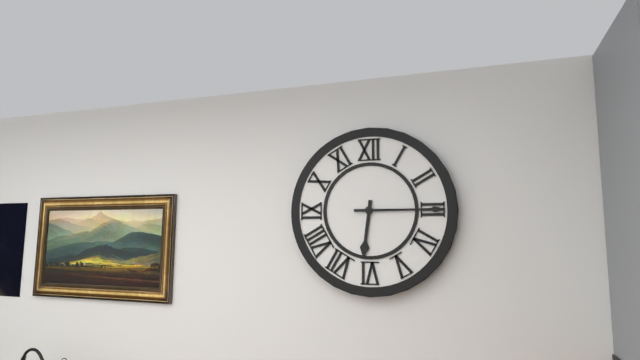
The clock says 6:15
